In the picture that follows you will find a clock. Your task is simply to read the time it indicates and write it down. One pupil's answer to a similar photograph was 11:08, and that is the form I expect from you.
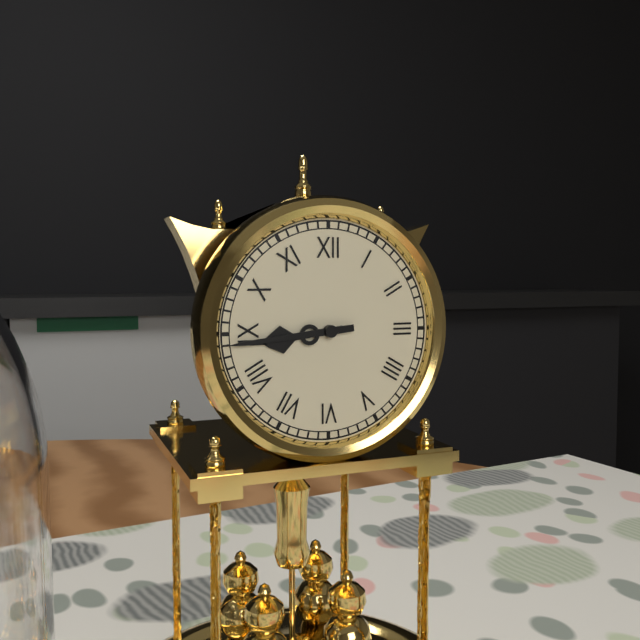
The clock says 8:44
